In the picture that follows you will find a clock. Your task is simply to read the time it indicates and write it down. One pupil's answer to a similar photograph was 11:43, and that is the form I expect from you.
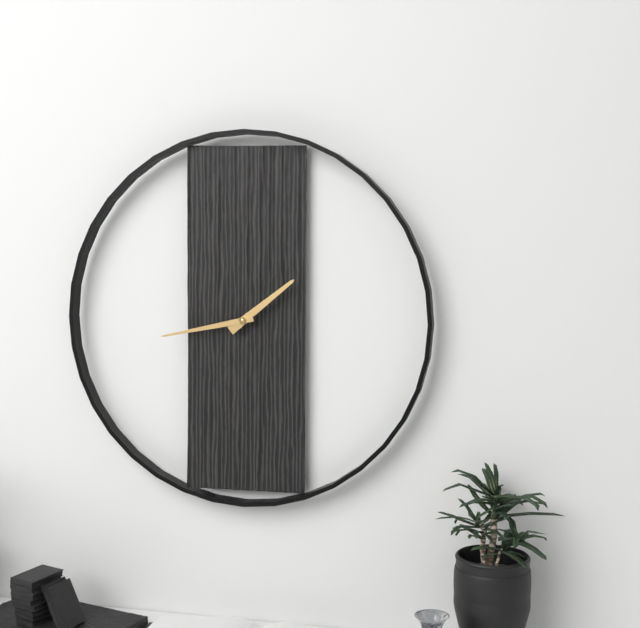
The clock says 1:43
